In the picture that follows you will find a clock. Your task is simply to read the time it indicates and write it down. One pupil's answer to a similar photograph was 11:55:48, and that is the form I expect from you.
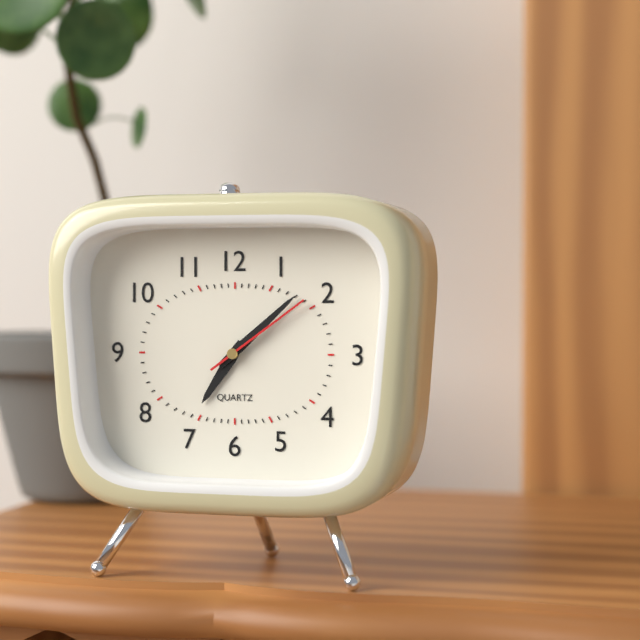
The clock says 7:08:09
